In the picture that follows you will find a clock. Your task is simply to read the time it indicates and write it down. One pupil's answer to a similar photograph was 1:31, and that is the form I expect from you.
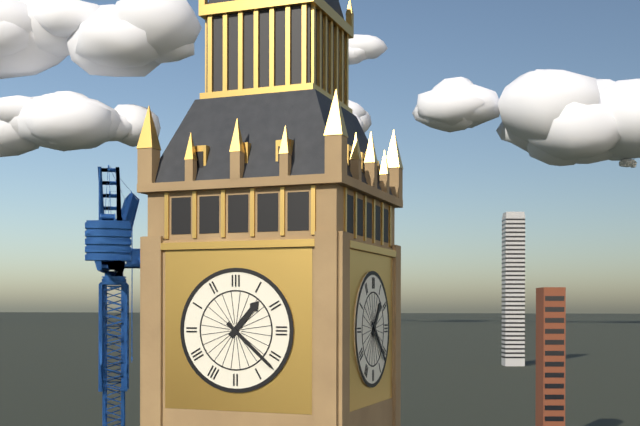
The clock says 1:22
